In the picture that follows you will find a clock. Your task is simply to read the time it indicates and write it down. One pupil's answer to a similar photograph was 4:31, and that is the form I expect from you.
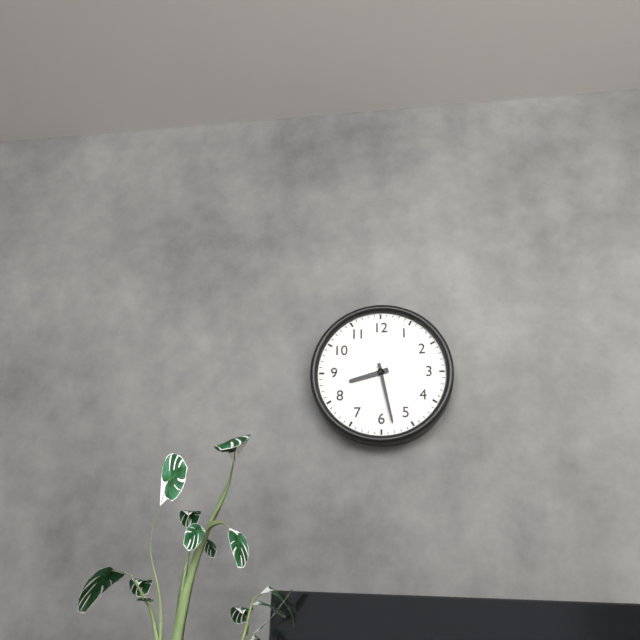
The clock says 8:28
